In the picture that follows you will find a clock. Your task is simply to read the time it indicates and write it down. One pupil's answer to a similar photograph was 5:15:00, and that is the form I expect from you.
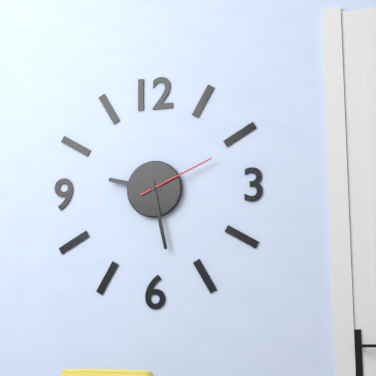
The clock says 9:28:11
